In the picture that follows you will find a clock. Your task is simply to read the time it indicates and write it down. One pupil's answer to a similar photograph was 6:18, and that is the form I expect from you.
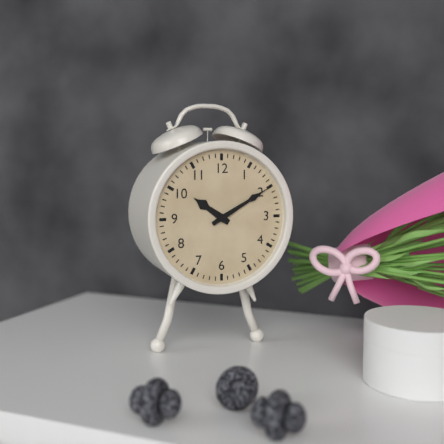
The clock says 10:10
